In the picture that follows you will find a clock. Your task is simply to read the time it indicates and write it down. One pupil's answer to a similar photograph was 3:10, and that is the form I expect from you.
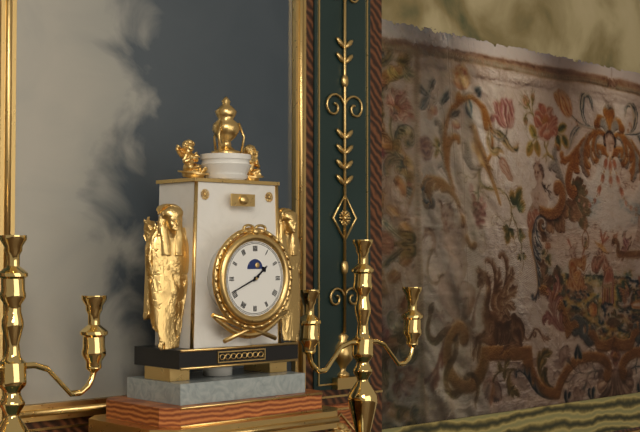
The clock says 1:41
